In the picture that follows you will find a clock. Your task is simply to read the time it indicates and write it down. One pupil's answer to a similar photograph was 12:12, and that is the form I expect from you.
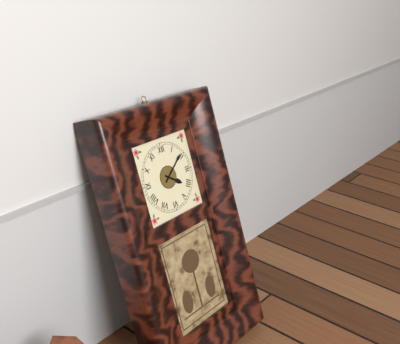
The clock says 4:09
